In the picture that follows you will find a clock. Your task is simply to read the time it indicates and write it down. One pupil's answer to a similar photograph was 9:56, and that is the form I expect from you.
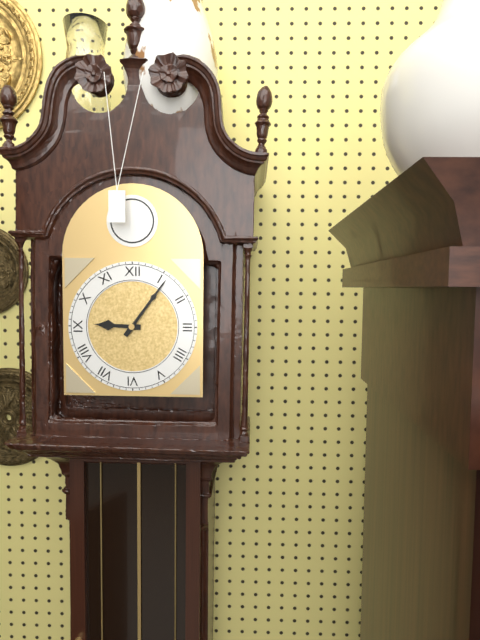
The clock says 9:06
